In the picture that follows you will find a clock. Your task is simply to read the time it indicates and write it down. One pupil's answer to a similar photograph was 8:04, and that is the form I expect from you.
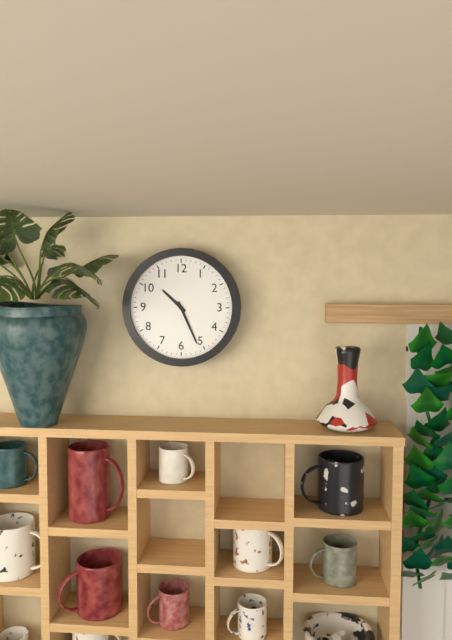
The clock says 10:26
